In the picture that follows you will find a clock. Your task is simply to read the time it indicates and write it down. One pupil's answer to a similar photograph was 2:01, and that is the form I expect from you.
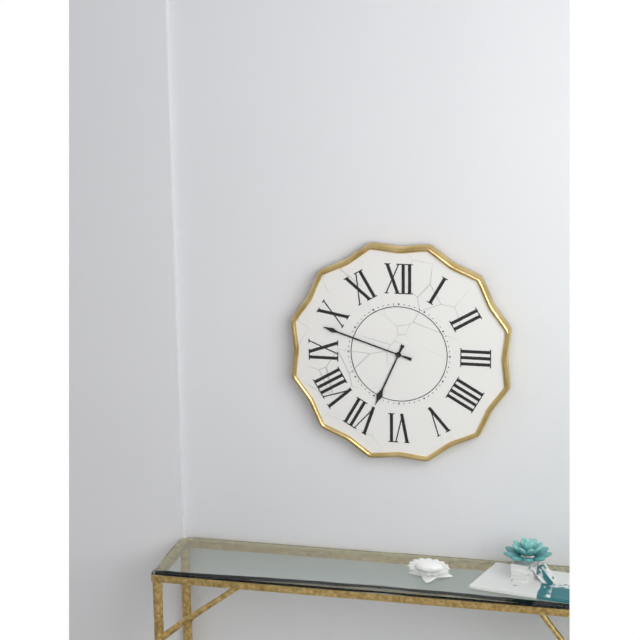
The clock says 6:48
